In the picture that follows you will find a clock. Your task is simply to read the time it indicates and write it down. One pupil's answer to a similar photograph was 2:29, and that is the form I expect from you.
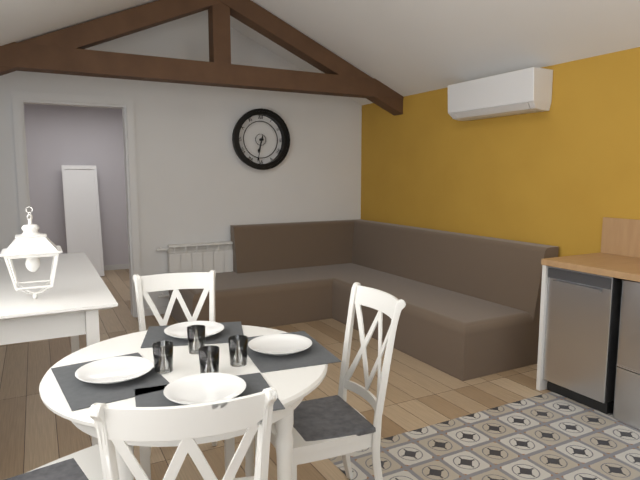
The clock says 6:32
